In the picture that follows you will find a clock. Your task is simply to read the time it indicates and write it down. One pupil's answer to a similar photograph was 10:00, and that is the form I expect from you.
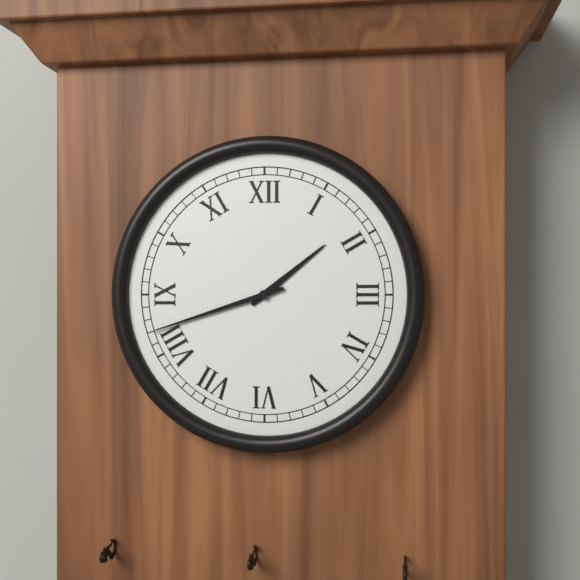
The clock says 1:42
